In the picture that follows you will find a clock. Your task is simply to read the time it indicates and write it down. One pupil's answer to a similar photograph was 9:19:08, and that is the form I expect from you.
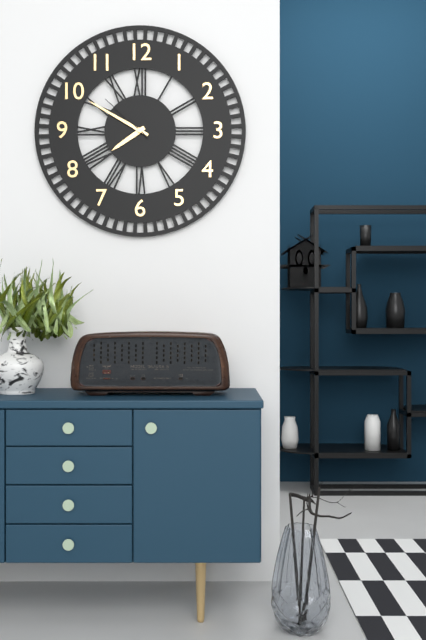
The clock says 7:50:52
